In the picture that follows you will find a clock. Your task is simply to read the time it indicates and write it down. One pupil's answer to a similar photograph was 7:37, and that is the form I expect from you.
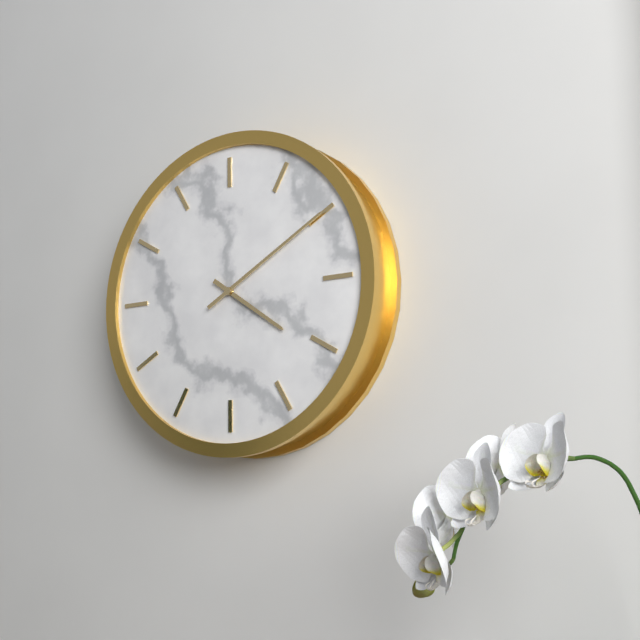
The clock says 4:10
